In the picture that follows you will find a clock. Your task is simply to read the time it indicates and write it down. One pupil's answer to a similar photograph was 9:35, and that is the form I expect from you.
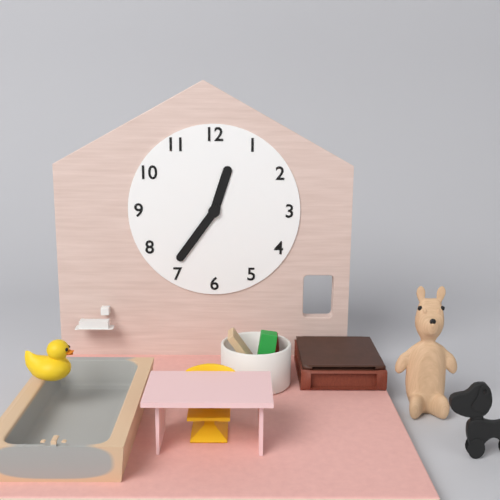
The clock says 12:36
